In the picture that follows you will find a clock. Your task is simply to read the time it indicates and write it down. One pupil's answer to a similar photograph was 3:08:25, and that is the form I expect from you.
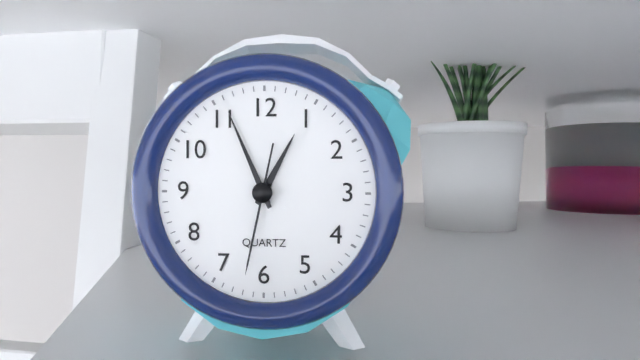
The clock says 12:56:32
